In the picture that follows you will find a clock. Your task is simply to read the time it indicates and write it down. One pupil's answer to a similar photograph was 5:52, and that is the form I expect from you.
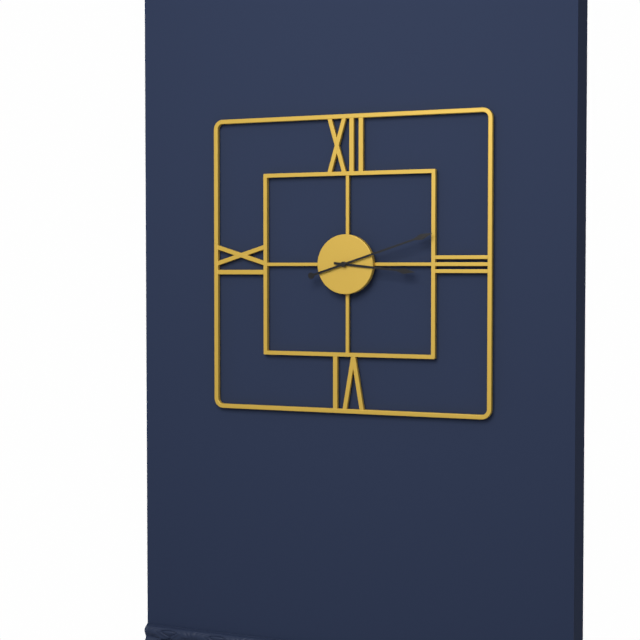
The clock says 3:12
